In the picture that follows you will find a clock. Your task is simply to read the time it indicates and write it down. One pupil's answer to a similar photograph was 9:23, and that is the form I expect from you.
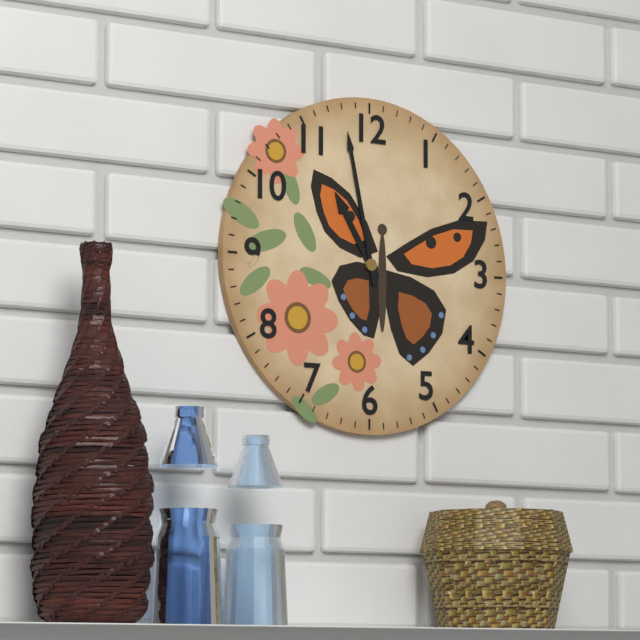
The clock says 10:58
